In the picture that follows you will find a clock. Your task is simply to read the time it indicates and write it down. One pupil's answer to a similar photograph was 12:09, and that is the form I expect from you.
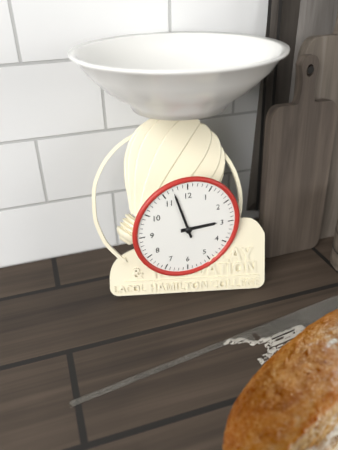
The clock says 2:57
